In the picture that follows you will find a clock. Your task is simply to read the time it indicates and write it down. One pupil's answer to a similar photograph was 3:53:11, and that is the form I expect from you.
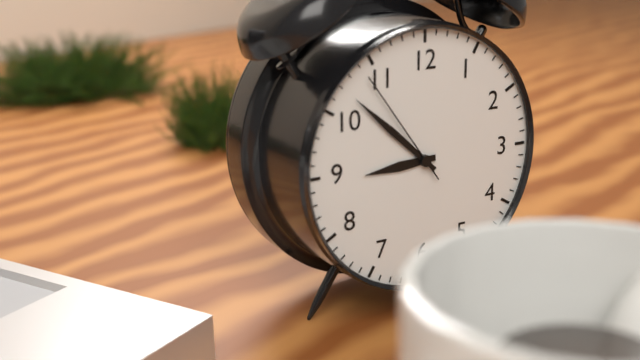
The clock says 8:52:54
